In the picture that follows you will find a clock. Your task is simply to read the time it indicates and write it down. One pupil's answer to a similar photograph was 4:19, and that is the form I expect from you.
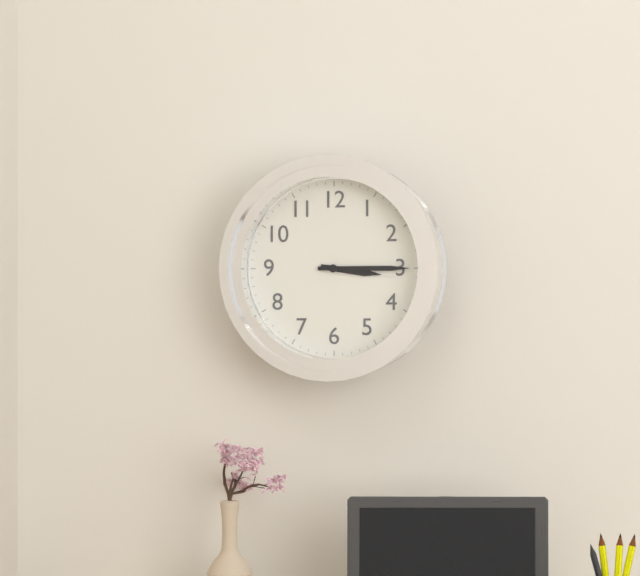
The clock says 3:15
